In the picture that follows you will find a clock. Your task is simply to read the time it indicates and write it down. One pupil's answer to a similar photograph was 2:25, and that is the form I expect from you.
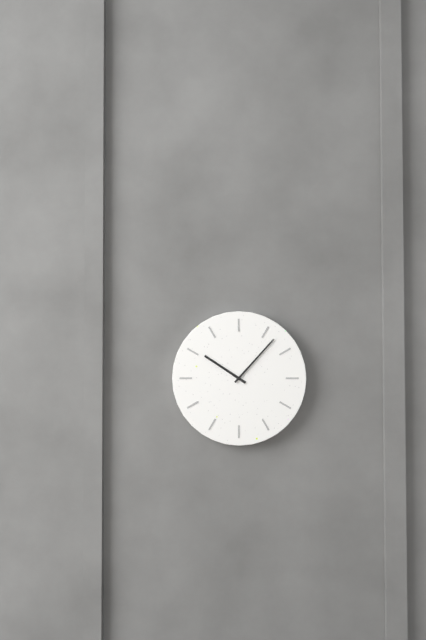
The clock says 10:07
